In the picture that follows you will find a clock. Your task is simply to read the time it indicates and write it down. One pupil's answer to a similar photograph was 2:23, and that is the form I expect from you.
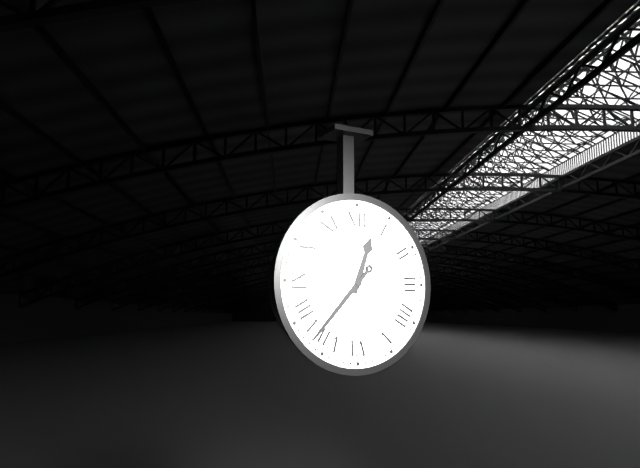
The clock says 12:37
